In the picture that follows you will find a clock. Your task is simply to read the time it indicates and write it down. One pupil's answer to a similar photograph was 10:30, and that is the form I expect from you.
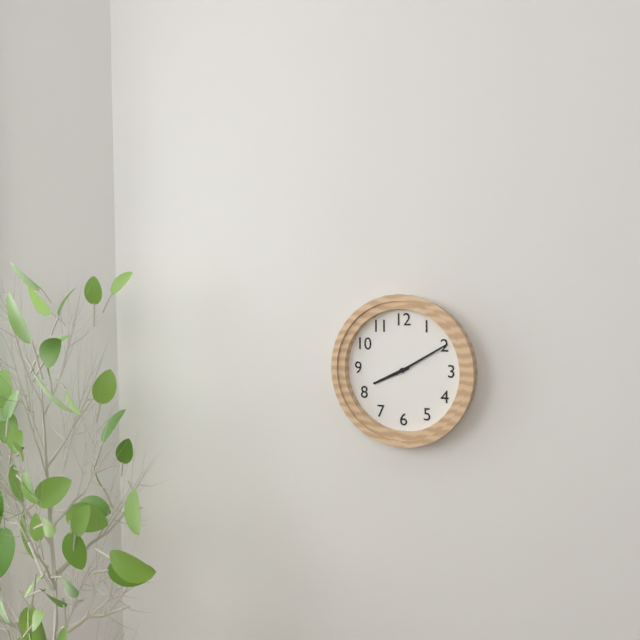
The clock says 8:10
